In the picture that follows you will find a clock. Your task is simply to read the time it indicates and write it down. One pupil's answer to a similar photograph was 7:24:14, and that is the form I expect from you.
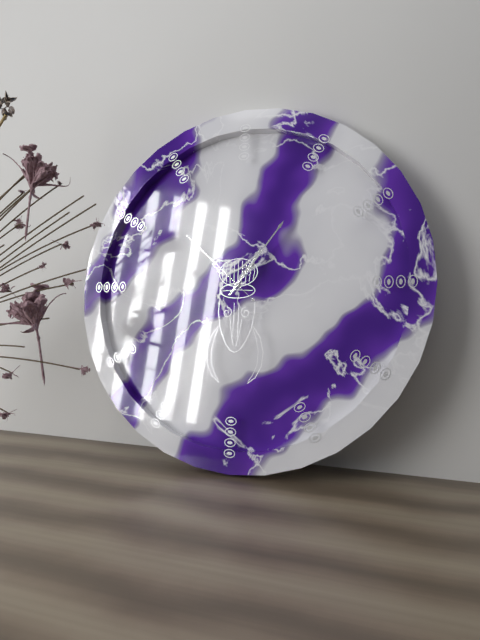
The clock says 1:06:52
